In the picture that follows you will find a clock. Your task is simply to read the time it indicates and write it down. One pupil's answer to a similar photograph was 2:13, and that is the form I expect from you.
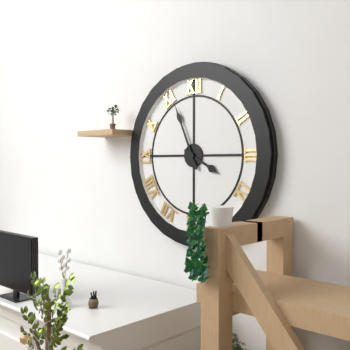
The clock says 3:56
